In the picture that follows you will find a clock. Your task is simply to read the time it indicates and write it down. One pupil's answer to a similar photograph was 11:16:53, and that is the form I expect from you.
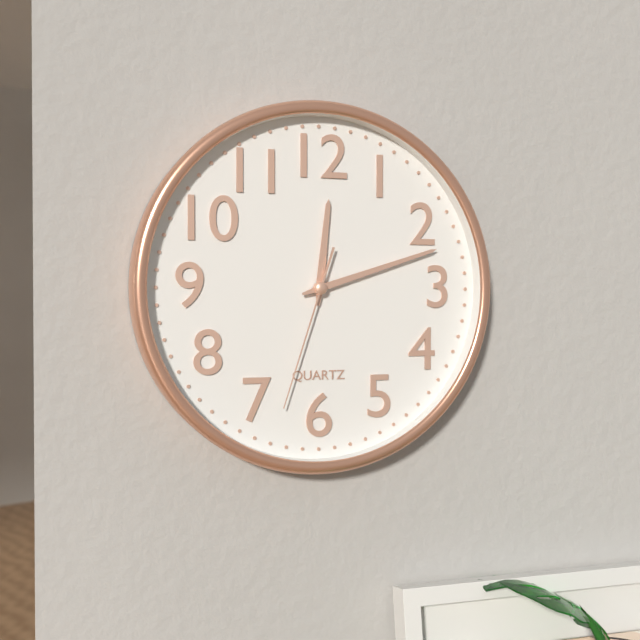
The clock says 12:12:33
